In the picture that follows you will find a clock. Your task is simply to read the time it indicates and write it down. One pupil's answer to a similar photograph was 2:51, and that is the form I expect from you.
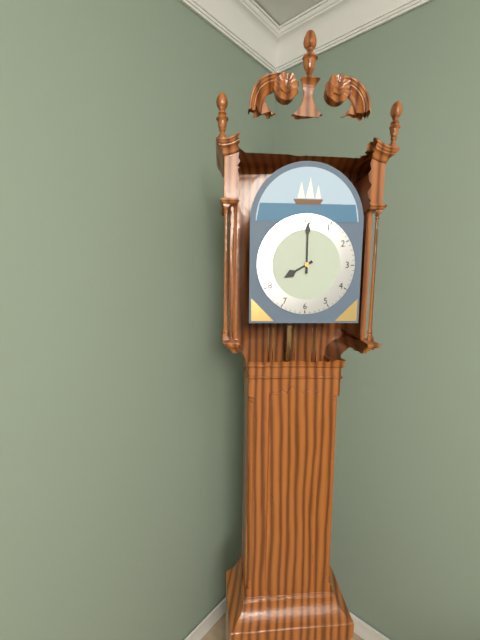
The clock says 8:00
